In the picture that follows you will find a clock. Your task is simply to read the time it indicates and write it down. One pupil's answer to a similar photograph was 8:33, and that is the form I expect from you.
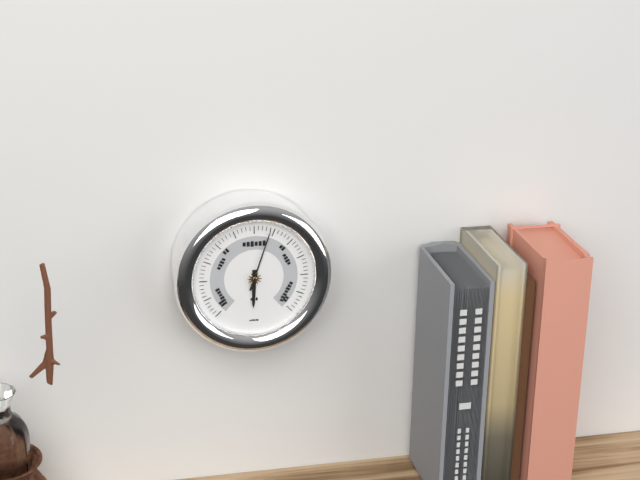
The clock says 6:03
